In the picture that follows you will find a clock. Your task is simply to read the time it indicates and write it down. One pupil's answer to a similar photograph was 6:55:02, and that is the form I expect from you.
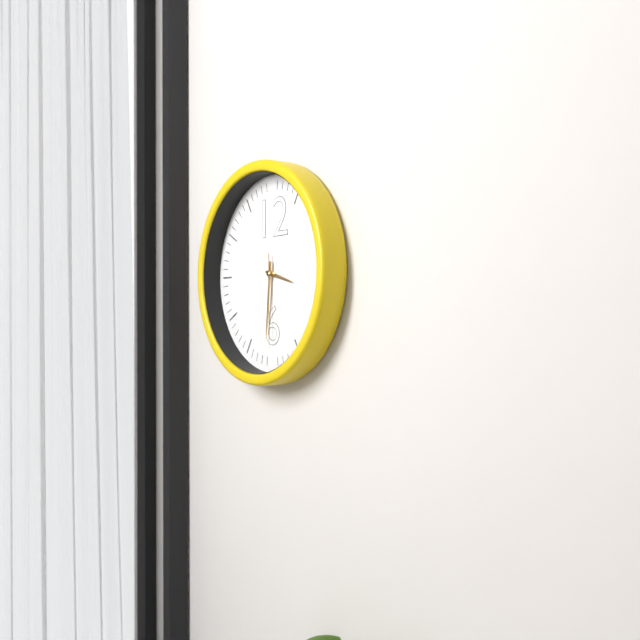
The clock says 3:31:30
